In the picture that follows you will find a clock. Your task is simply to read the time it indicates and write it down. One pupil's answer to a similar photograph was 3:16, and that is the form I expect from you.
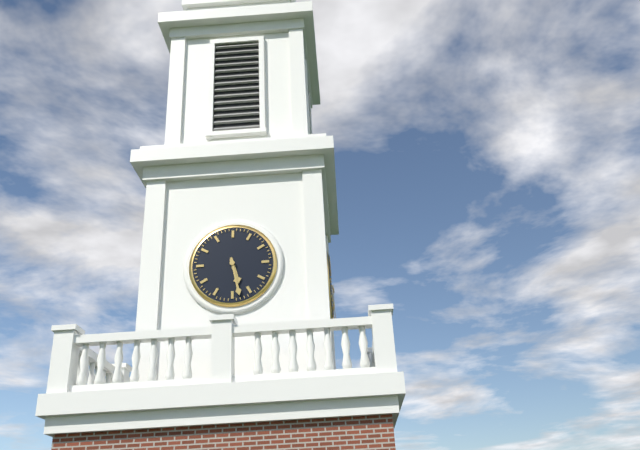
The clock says 5:28
